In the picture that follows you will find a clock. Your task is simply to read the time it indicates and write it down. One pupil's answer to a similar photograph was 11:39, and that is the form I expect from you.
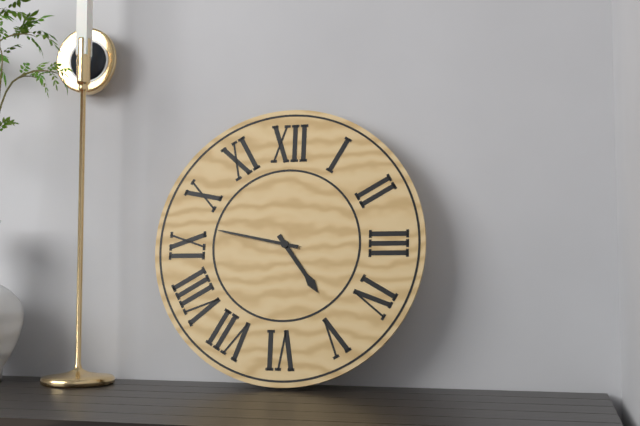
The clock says 4:47
